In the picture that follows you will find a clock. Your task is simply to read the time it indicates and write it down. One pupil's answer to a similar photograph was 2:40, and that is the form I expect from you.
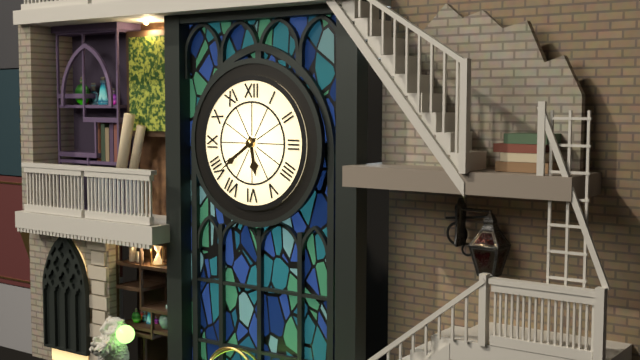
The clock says 5:39
